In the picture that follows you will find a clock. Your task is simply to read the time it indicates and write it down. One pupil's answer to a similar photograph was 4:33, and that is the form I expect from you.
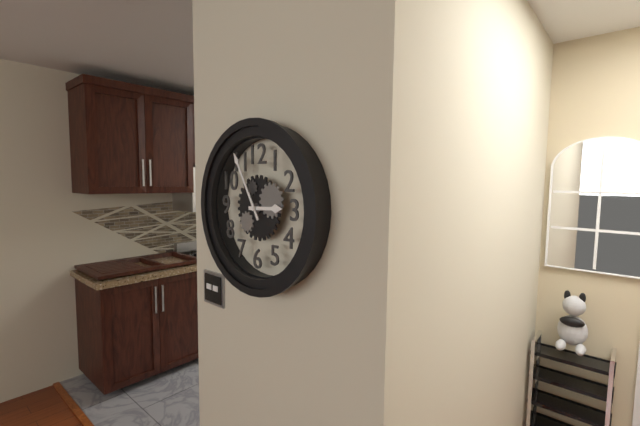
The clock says 2:55
